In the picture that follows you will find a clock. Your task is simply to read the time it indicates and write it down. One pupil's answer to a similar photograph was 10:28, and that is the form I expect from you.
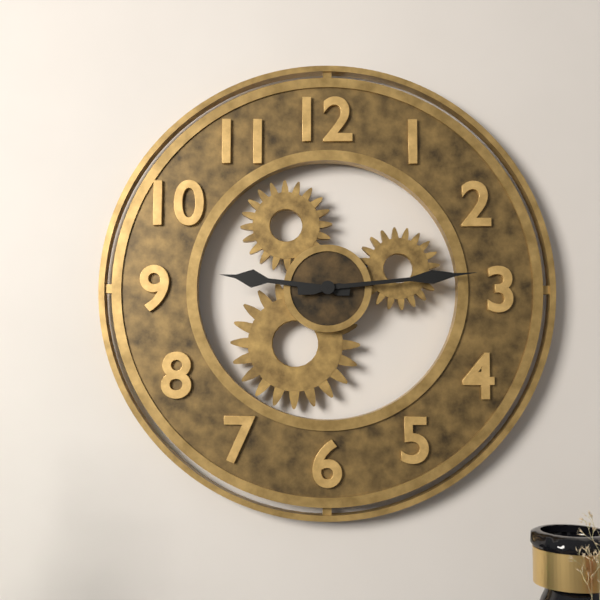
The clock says 9:14
